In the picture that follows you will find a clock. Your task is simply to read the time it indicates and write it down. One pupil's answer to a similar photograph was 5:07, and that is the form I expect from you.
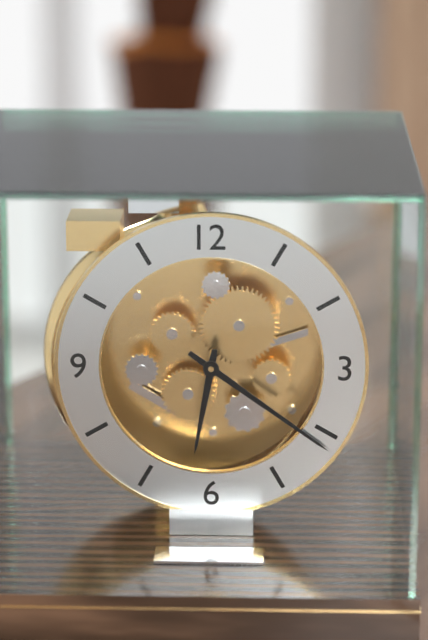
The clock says 6:21
